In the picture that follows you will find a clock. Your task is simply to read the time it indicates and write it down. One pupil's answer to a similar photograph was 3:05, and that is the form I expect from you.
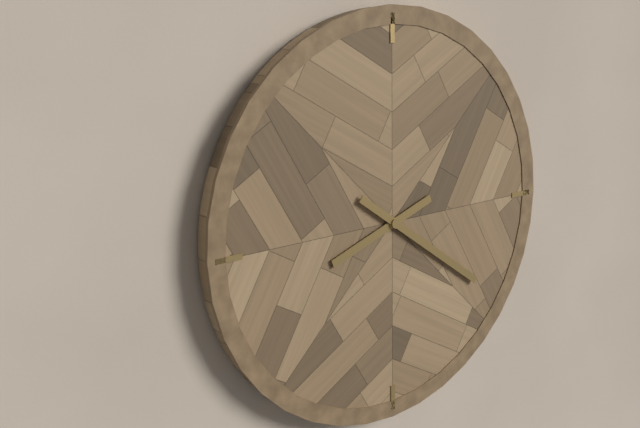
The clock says 8:21
